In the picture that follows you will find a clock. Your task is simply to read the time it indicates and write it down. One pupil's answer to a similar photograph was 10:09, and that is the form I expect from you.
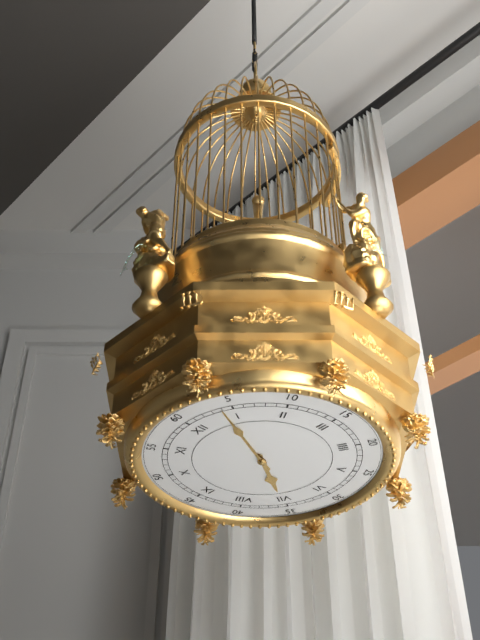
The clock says 7:04
